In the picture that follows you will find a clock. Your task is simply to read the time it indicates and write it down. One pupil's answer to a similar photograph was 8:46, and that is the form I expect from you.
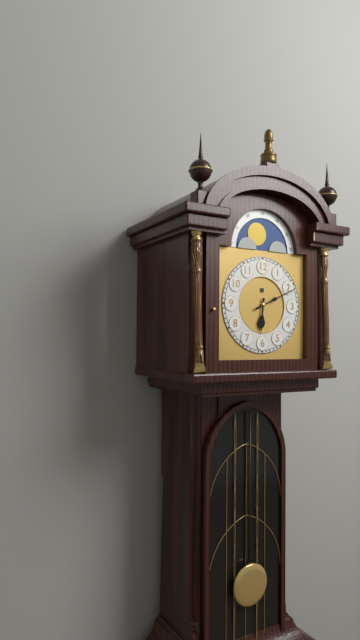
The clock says 6:11
